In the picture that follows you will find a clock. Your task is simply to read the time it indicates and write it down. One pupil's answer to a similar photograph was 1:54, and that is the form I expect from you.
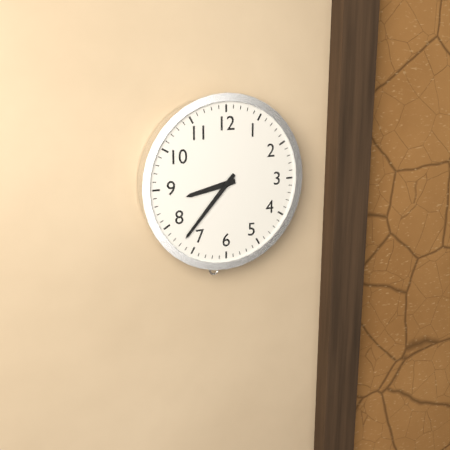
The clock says 8:37
